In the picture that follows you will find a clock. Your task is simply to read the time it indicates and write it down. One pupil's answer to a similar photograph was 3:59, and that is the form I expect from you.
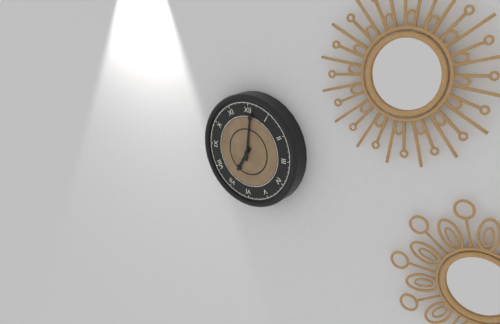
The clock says 7:01
